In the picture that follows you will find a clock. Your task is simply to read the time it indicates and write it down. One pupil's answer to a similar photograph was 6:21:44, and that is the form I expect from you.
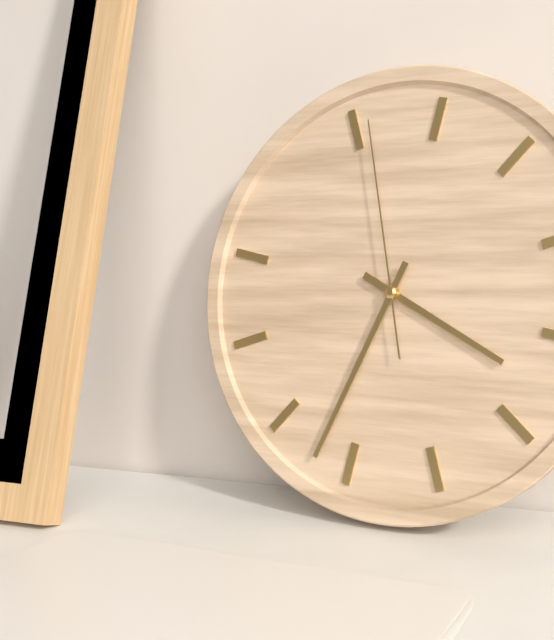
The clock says 3:32:56
